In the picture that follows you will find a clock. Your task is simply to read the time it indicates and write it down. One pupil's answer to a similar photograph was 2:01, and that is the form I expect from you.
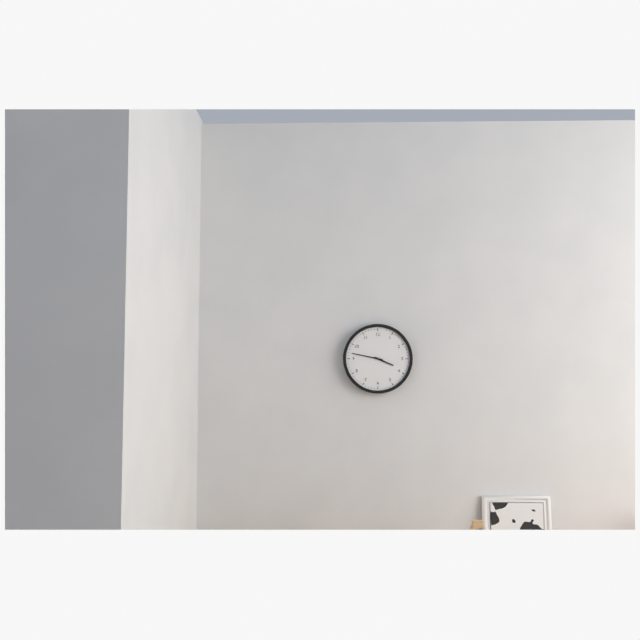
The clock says 3:47
